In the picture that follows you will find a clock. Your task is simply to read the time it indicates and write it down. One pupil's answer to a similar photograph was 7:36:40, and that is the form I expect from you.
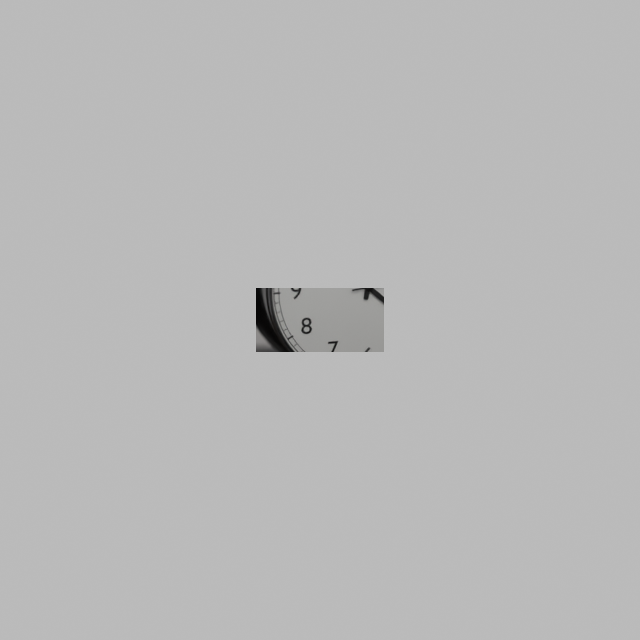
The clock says 12:22:14
